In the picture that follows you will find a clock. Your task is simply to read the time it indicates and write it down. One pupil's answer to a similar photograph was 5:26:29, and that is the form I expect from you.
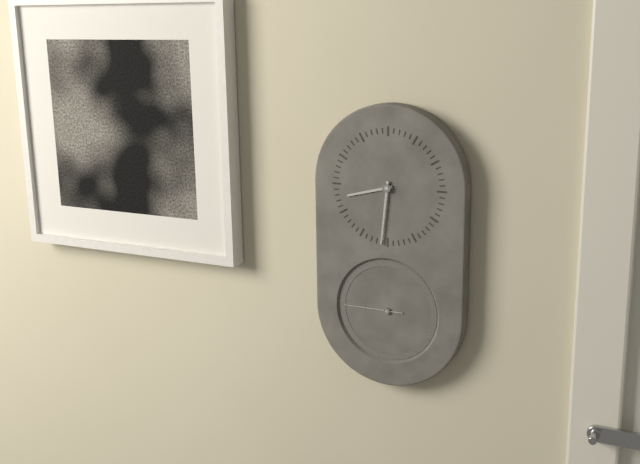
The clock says 8:31:45
